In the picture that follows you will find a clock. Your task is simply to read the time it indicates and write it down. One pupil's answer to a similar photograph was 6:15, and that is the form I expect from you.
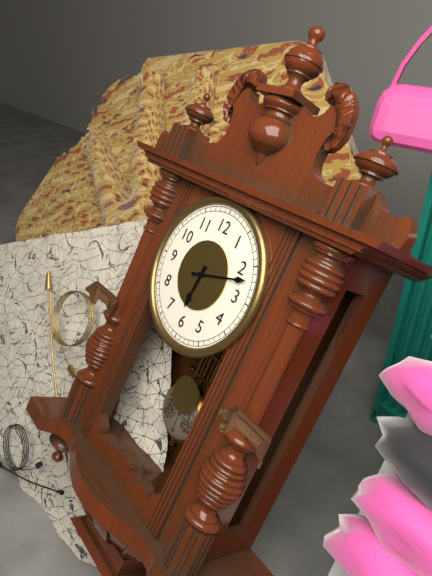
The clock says 6:12
